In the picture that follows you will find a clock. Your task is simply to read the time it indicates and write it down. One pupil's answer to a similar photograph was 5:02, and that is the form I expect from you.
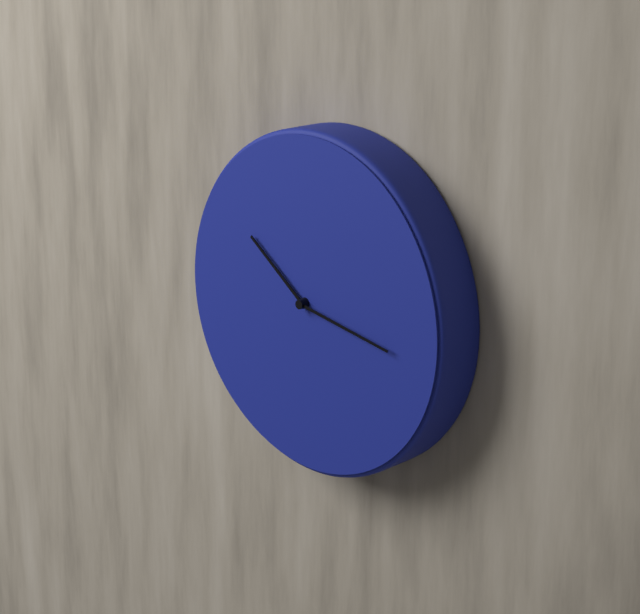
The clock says 10:17
